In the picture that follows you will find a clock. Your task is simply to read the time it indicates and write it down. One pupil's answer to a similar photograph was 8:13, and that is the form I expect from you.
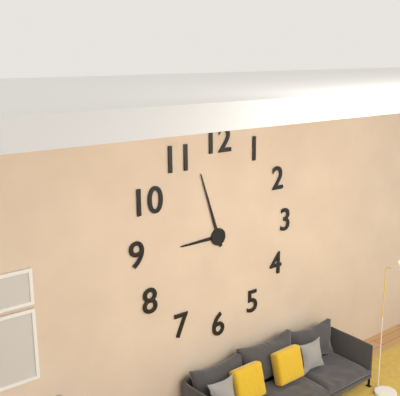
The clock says 8:57
